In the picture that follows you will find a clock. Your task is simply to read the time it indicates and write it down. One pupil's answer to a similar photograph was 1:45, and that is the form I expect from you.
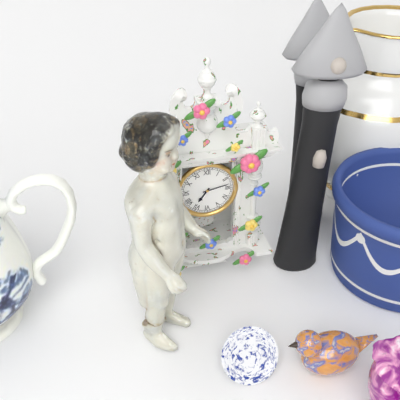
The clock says 7:13
